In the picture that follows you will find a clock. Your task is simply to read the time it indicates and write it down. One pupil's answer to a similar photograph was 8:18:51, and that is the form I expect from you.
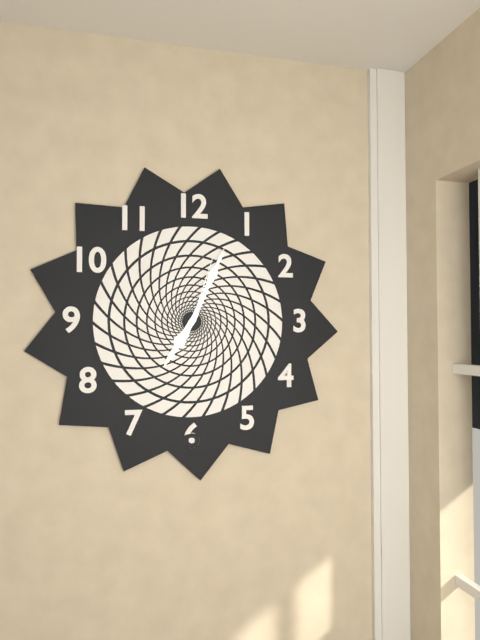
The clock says 7:04:03
